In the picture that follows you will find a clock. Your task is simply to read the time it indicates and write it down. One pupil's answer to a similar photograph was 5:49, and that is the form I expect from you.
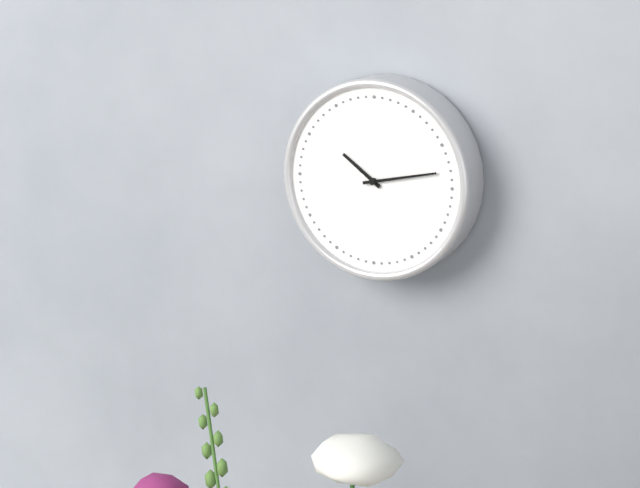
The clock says 10:13
